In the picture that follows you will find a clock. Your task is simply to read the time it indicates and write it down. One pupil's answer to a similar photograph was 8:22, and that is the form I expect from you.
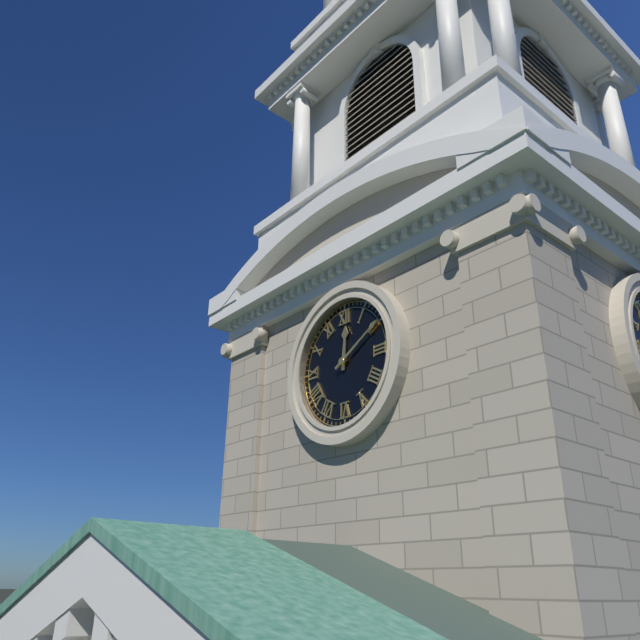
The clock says 12:10
